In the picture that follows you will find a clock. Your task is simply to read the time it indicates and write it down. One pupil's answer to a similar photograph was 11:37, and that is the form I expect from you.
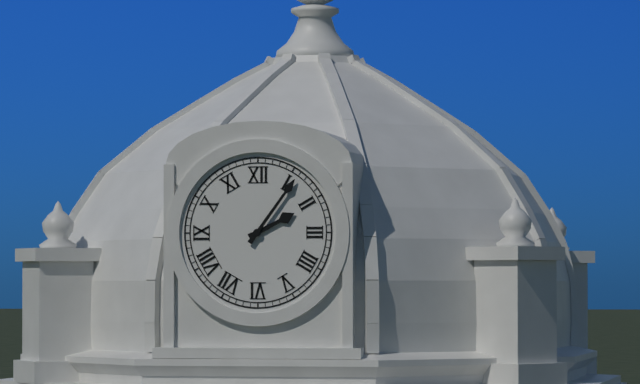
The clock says 2:06
